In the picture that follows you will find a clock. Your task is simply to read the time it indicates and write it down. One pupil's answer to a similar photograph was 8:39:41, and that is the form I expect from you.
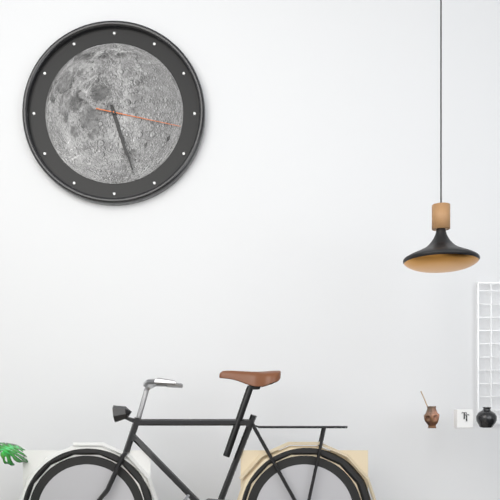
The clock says 5:27:17
